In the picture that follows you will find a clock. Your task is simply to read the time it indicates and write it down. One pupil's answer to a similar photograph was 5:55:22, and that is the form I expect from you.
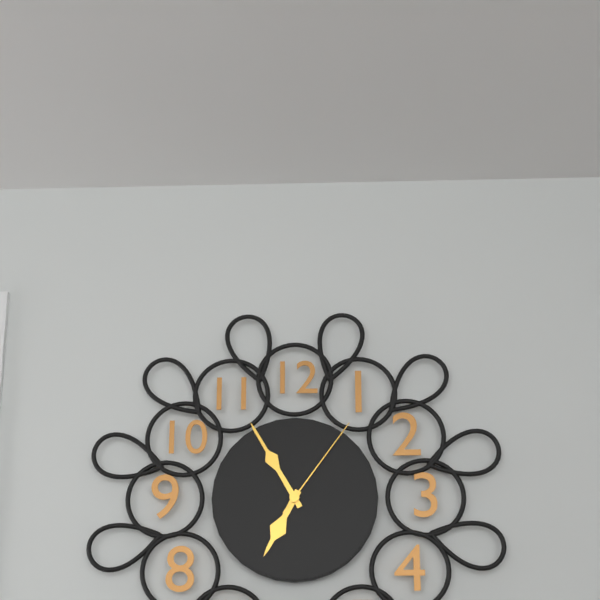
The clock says 6:55:06
